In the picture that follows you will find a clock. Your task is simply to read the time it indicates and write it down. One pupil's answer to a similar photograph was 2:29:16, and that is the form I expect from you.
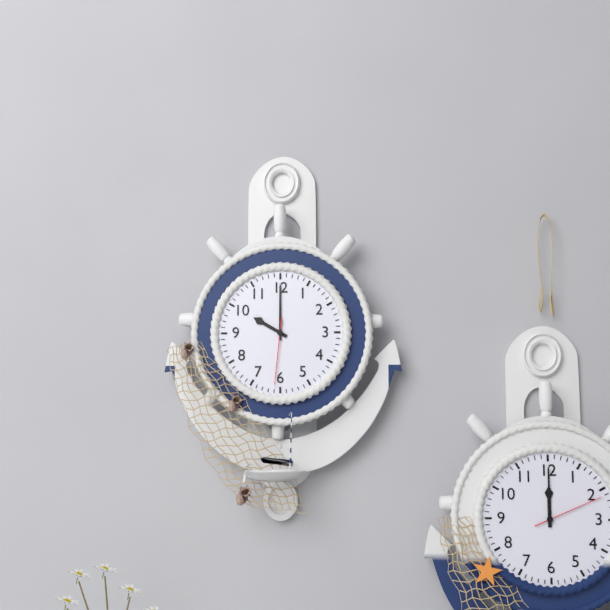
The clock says 10:00:31
